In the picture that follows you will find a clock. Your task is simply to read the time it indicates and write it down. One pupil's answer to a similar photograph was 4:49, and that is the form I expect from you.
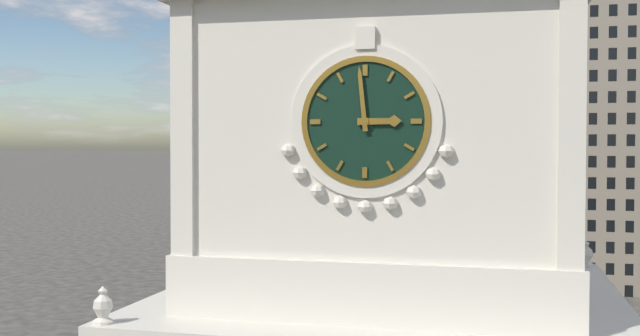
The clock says 2:59
